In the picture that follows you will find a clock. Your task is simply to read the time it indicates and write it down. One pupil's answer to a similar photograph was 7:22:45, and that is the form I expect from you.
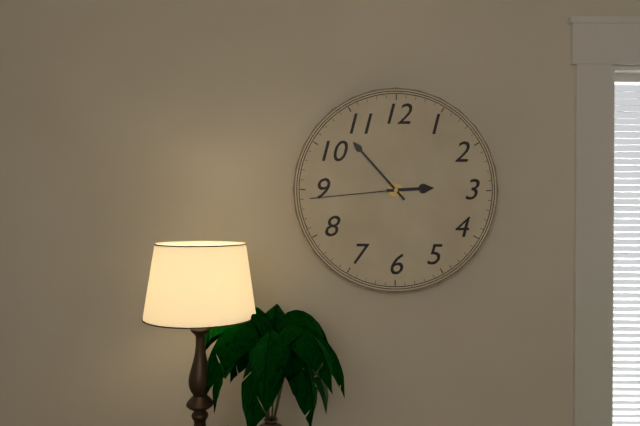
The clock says 2:53:44
